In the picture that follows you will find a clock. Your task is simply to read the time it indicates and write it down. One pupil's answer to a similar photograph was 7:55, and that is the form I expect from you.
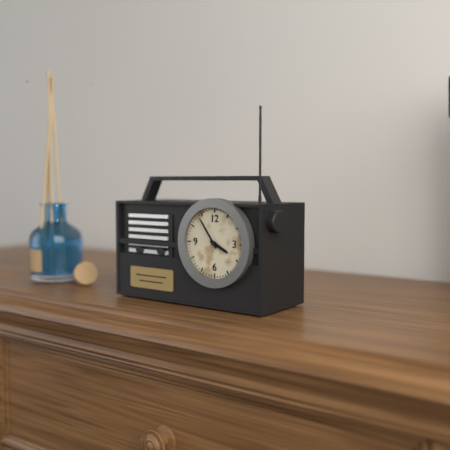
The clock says 3:54
